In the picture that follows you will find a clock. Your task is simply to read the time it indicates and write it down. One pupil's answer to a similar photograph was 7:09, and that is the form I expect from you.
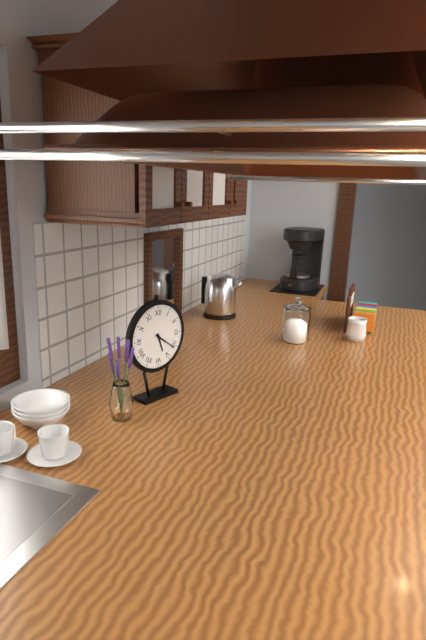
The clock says 5:21
